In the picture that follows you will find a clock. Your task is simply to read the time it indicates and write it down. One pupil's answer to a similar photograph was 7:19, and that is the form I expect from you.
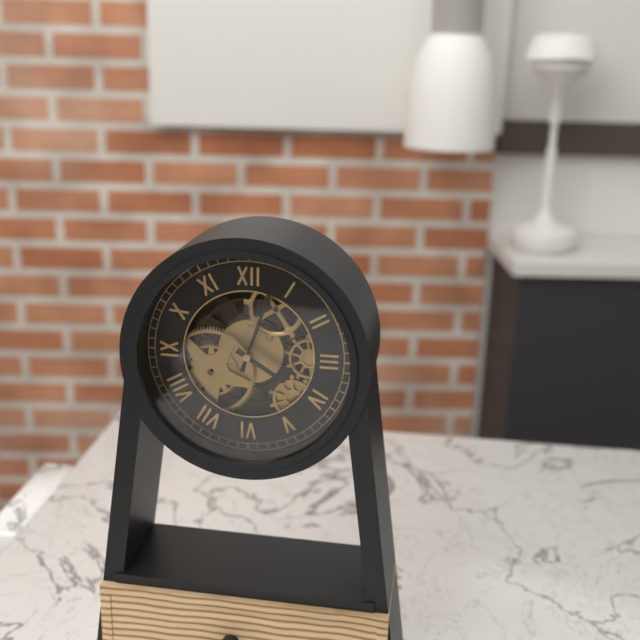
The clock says 4:03
